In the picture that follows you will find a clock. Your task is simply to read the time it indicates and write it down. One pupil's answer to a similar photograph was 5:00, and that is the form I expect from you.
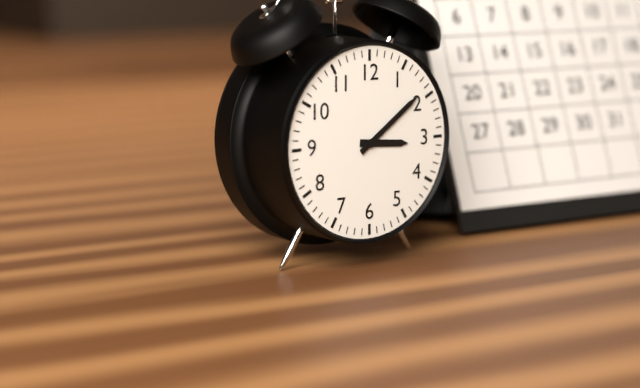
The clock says 3:09
